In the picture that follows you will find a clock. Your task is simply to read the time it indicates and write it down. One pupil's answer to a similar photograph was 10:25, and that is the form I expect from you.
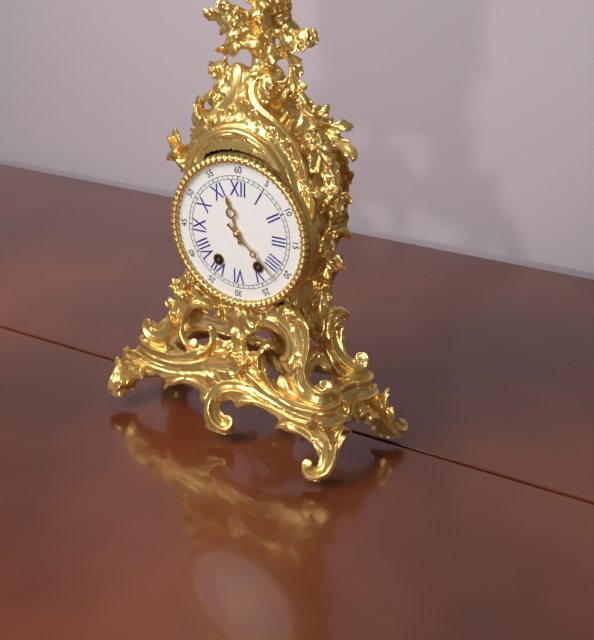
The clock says 11:22
